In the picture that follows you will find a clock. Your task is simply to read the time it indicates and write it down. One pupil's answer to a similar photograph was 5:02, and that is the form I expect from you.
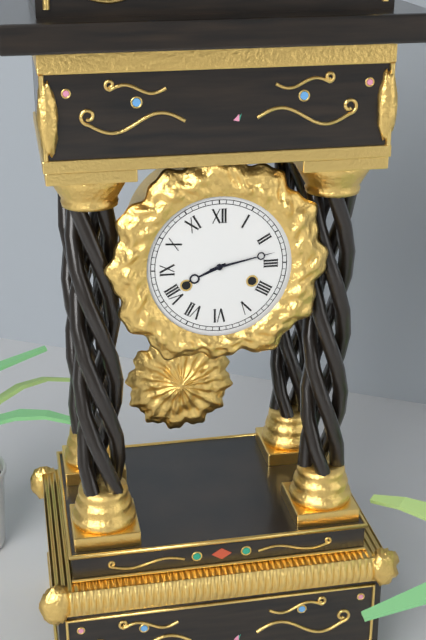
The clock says 8:13
